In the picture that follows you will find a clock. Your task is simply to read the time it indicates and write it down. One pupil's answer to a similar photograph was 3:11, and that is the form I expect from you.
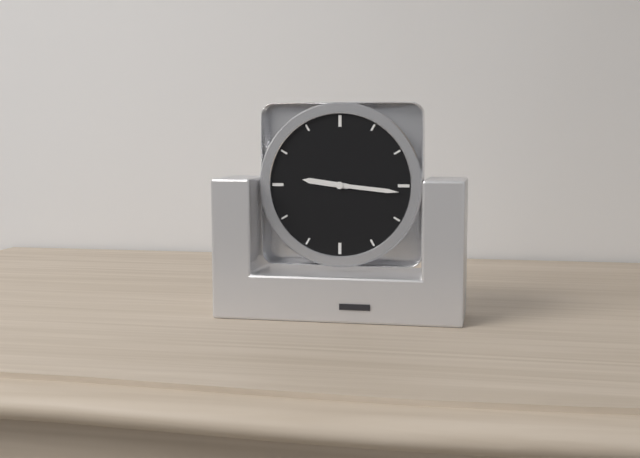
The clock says 9:16
